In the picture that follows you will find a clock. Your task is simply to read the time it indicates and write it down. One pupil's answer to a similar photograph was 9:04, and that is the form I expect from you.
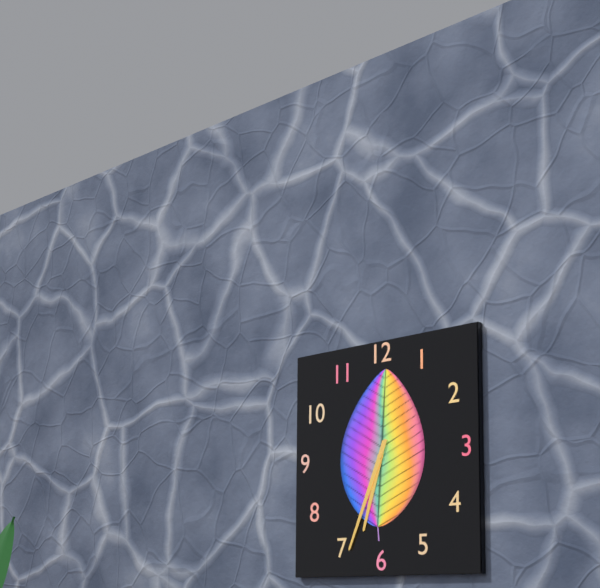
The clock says 6:34
